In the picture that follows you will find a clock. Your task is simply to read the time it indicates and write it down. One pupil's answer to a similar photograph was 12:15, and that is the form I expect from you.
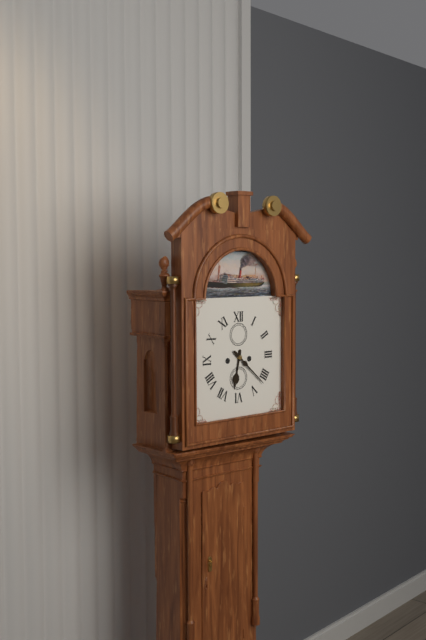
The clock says 6:22
